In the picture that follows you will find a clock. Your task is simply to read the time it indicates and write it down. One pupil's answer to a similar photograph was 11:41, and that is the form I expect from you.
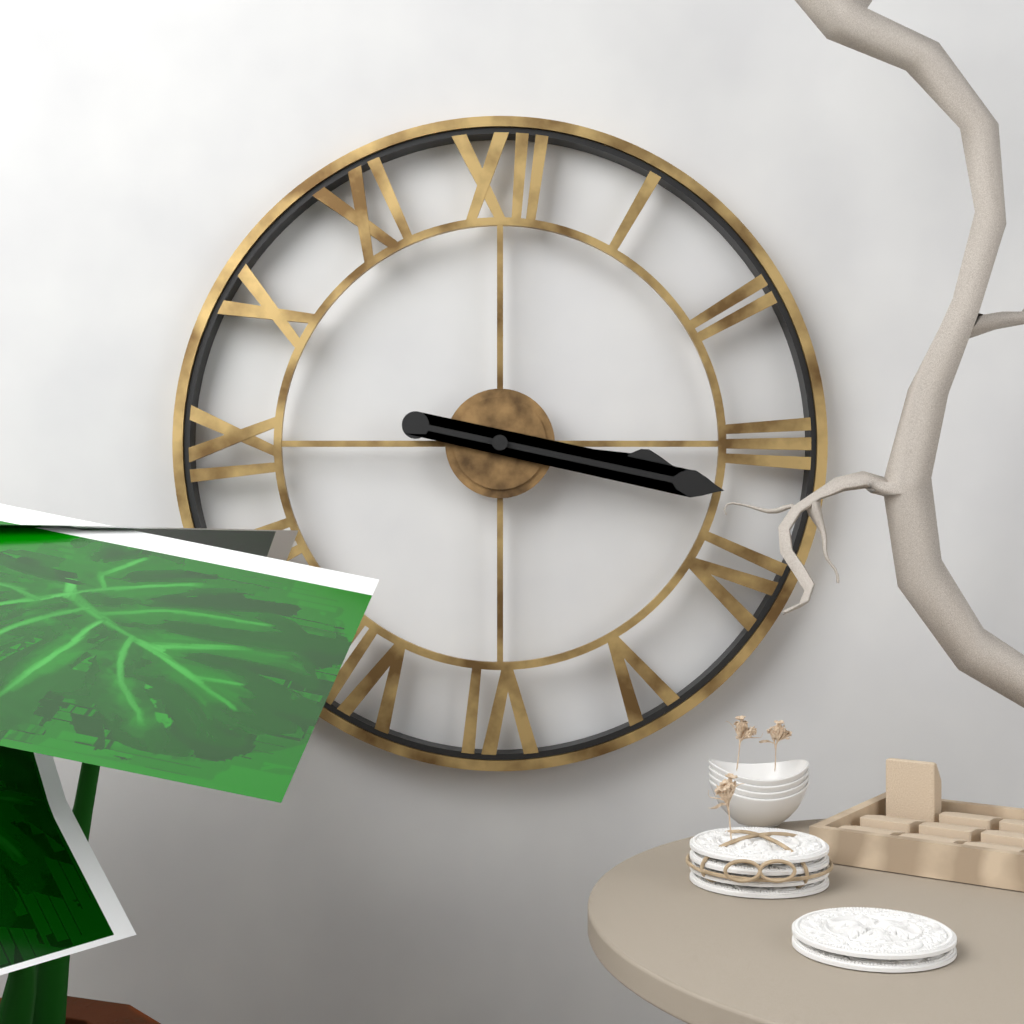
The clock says 3:17
